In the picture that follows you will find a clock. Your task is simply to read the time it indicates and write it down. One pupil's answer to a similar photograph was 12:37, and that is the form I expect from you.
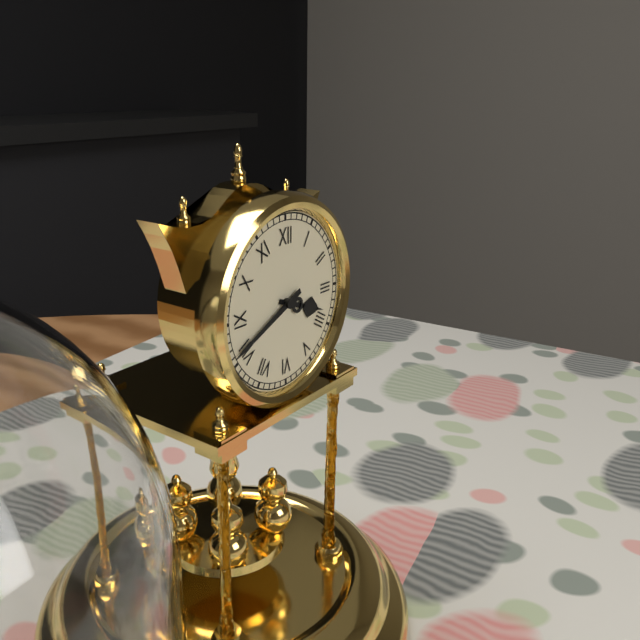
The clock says 3:41
